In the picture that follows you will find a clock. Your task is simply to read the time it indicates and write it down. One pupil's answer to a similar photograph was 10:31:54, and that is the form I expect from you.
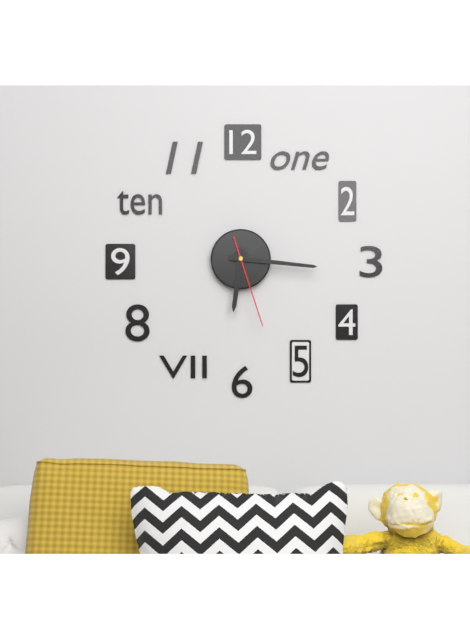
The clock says 6:16:27
